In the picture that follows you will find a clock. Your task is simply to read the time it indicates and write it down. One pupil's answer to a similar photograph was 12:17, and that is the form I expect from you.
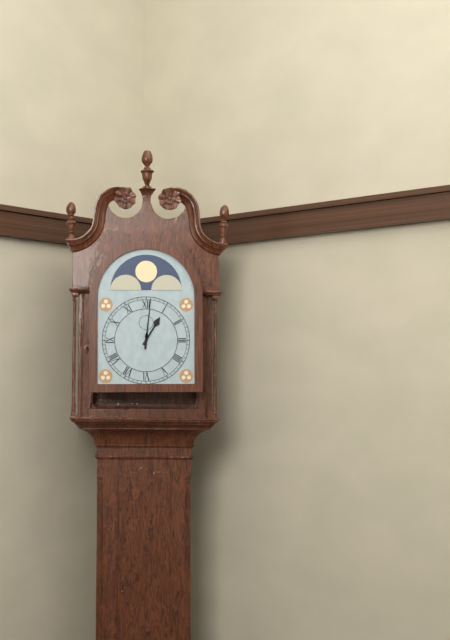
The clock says 1:01
